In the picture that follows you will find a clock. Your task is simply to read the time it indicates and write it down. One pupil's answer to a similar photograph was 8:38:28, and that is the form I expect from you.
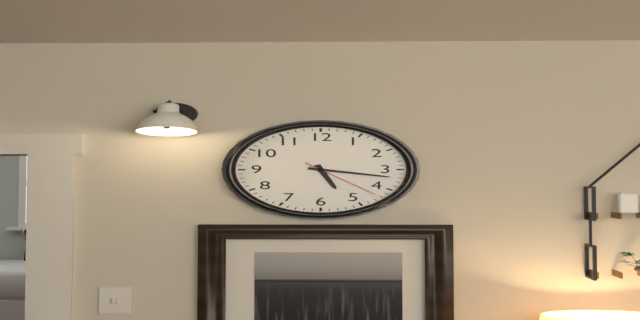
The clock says 5:17:22
